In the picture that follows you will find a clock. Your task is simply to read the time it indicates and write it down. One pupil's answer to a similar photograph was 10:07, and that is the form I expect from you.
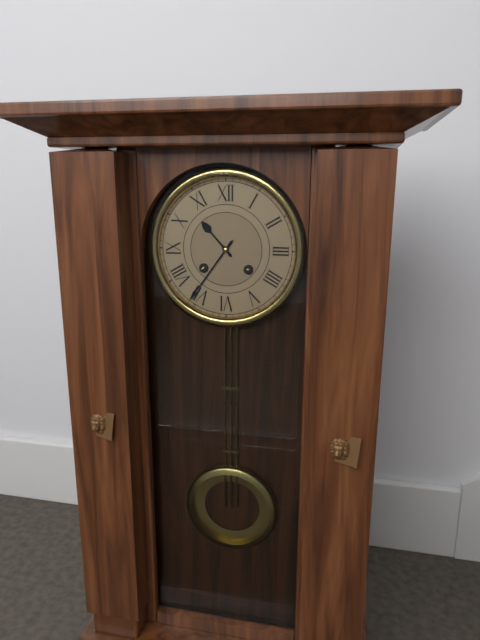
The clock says 10:36
